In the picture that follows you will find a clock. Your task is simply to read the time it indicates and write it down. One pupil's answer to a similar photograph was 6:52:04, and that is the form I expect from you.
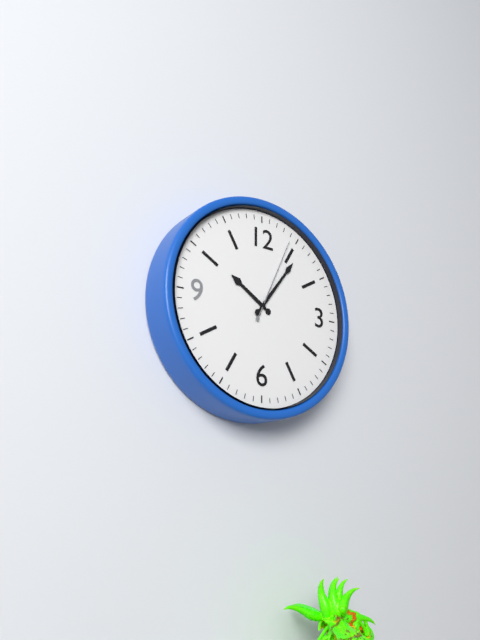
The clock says 10:06:04
